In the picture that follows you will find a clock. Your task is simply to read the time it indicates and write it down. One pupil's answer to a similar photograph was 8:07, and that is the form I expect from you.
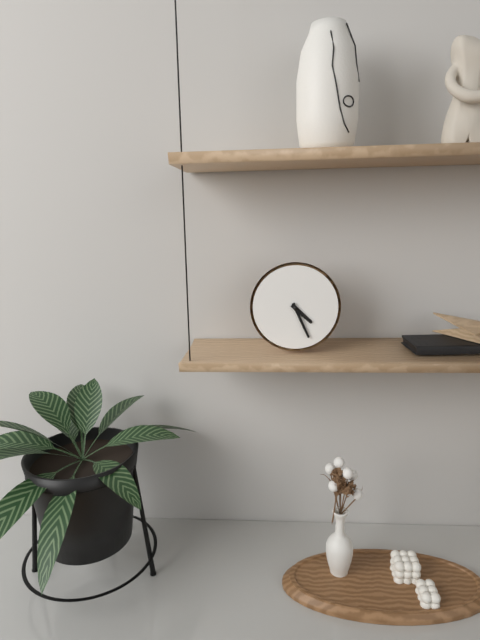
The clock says 4:26
